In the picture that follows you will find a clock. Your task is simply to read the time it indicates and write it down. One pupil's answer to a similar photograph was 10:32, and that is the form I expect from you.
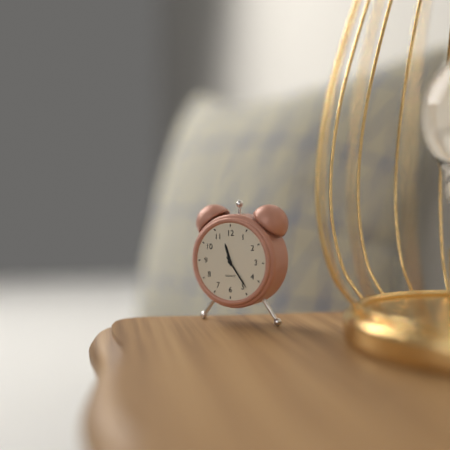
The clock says 11:24
